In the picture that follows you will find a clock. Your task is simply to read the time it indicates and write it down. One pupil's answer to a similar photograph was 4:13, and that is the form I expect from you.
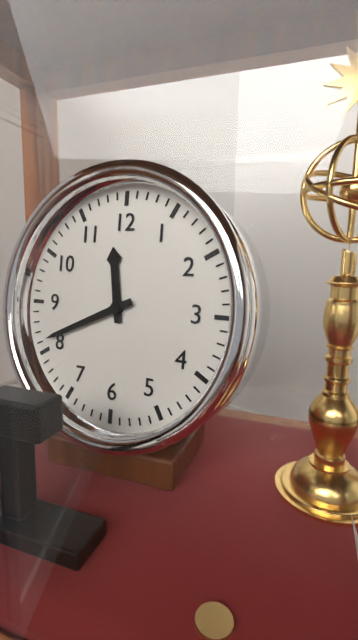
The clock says 11:41
